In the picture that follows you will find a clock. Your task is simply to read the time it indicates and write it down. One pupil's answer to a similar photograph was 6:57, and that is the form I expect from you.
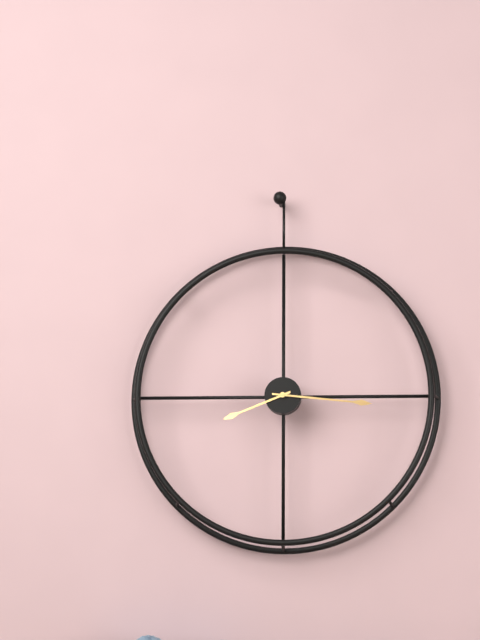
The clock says 8:16
